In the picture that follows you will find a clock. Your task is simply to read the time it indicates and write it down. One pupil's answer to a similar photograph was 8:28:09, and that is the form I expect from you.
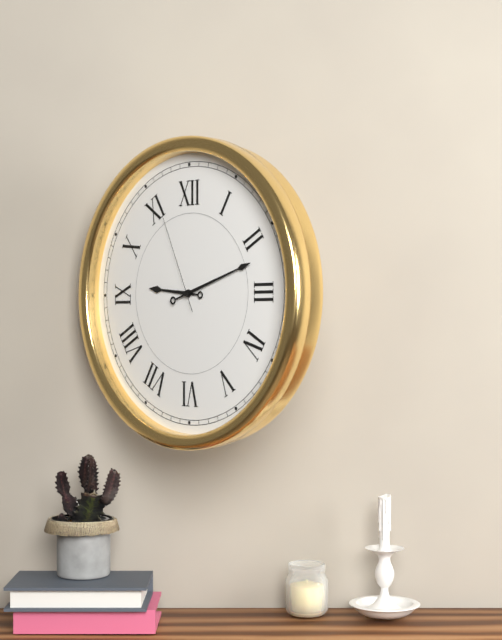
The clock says 9:12:56
